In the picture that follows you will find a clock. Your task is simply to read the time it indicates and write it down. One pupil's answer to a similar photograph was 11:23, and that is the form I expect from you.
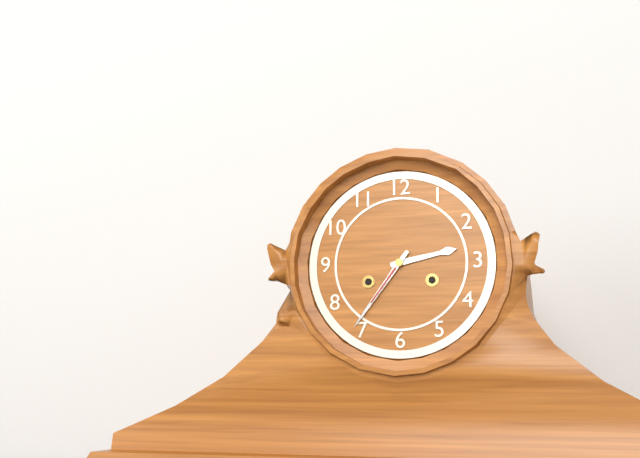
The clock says 2:36
